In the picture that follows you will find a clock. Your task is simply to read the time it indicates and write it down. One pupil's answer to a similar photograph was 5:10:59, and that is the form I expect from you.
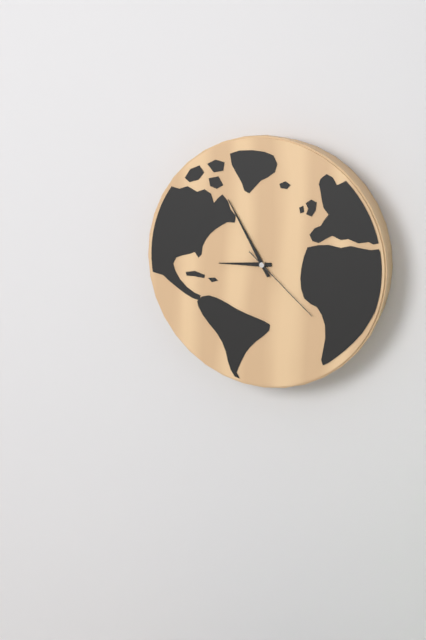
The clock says 8:55:22
